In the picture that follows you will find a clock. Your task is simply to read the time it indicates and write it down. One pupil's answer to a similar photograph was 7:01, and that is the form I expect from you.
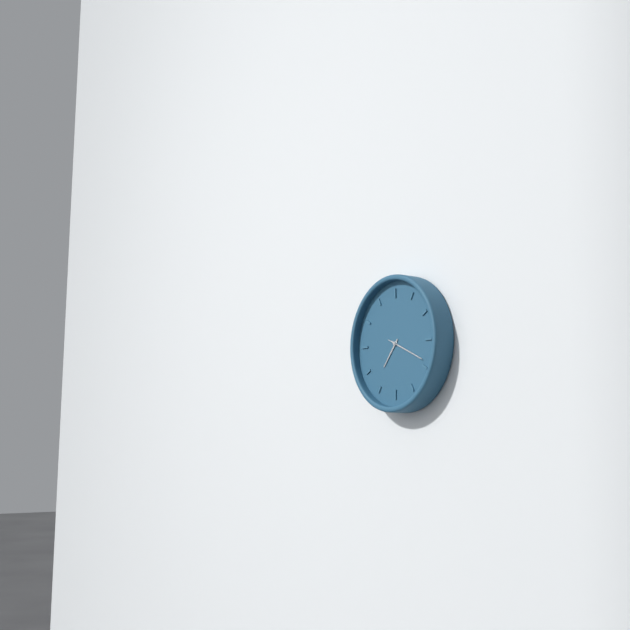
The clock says 7:19
